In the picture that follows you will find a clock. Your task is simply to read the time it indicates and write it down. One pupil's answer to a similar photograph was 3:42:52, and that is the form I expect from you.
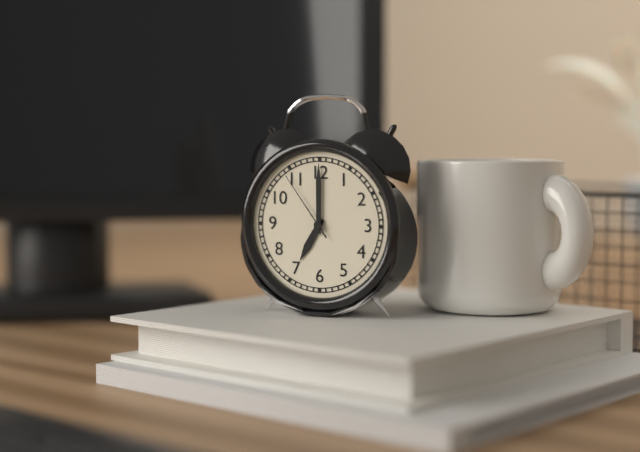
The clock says 7:00:54
